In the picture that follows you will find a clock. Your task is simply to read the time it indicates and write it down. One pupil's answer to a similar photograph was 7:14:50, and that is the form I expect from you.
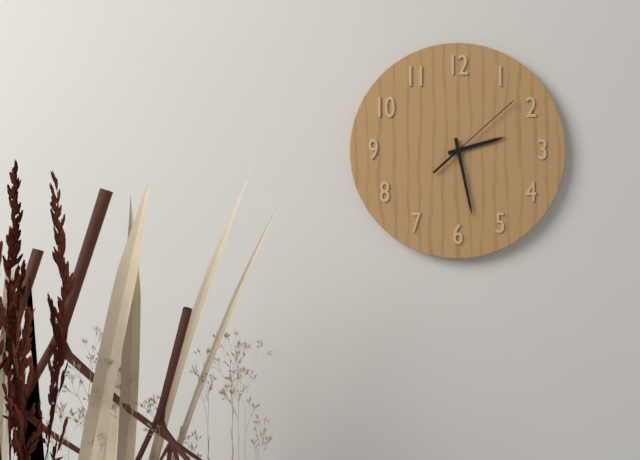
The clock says 2:28:08
